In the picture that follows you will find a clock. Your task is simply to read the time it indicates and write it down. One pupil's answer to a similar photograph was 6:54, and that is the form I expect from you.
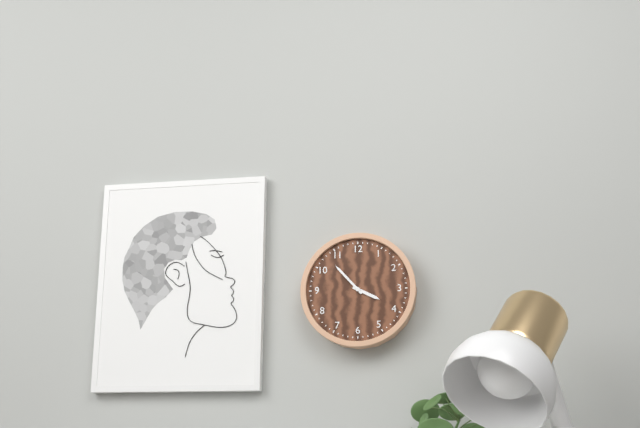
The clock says 3:53
